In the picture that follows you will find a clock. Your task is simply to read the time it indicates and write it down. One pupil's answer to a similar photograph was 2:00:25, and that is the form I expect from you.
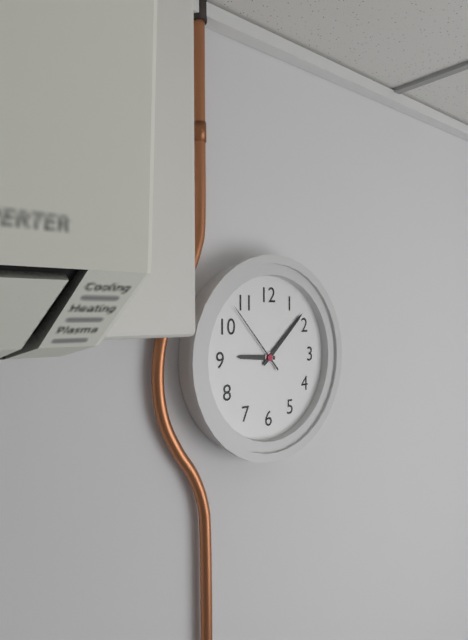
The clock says 9:08:53
